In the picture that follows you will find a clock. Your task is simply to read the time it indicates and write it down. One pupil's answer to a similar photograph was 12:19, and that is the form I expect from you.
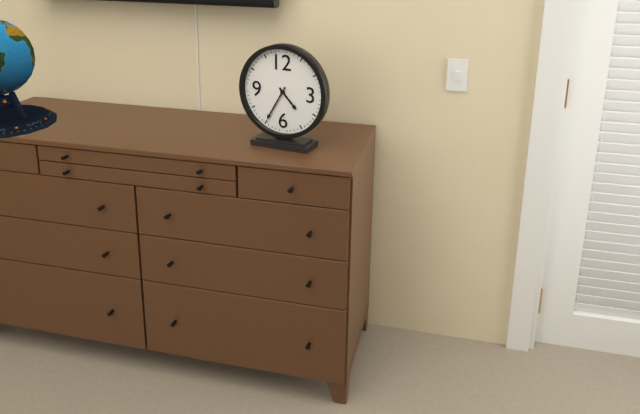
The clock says 4:35
